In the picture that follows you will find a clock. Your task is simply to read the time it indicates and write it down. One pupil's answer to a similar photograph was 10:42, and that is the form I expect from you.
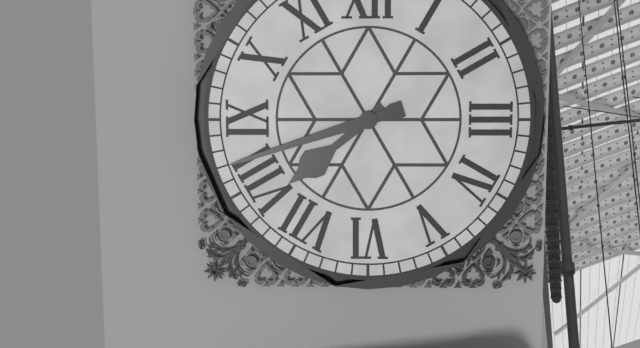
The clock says 7:42
